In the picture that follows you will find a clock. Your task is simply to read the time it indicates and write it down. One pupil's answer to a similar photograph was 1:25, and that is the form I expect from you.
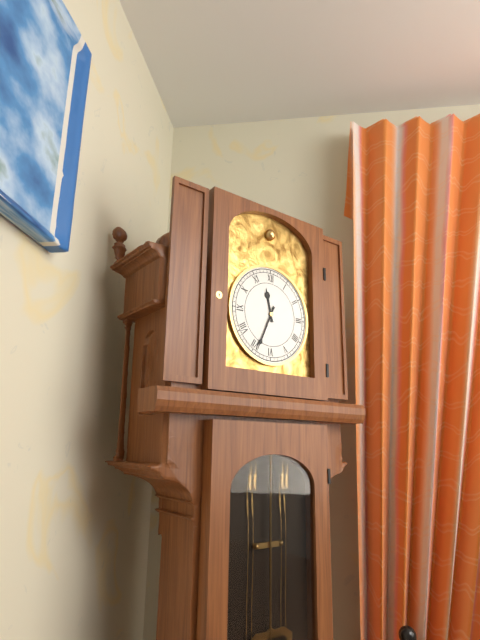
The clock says 11:34
